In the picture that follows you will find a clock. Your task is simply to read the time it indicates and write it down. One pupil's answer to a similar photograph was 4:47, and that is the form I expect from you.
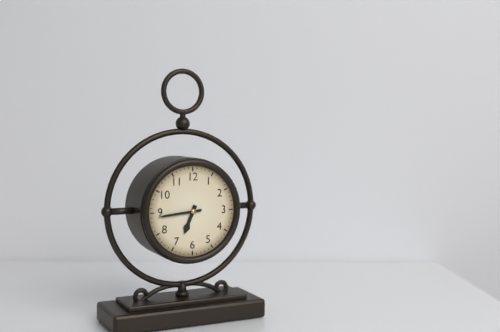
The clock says 6:44
